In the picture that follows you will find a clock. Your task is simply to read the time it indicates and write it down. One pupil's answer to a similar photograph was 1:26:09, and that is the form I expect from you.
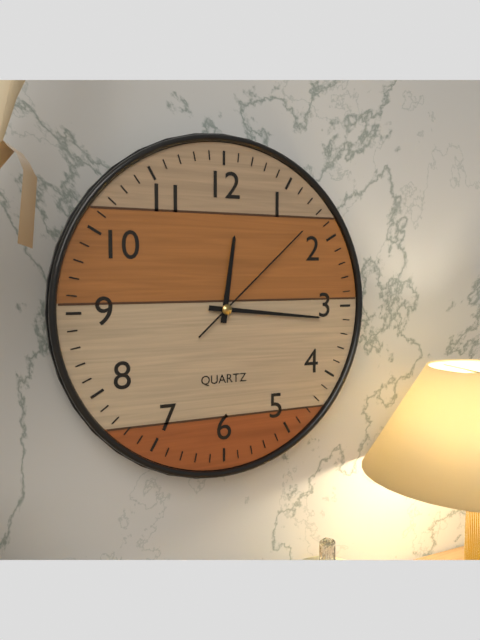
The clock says 12:16:08
